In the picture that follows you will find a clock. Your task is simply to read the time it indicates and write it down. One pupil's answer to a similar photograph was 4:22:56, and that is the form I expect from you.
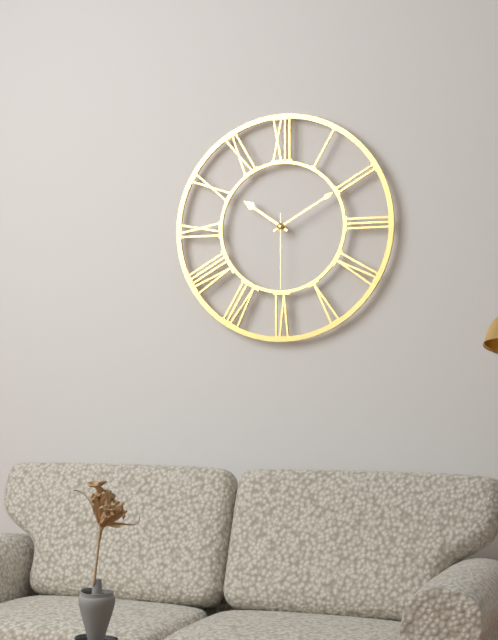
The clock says 10:10:30
